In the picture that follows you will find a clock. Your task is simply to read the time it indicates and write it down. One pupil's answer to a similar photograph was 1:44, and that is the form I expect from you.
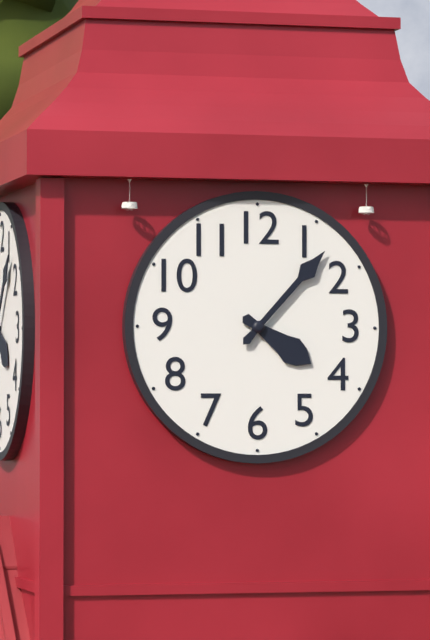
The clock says 4:07
